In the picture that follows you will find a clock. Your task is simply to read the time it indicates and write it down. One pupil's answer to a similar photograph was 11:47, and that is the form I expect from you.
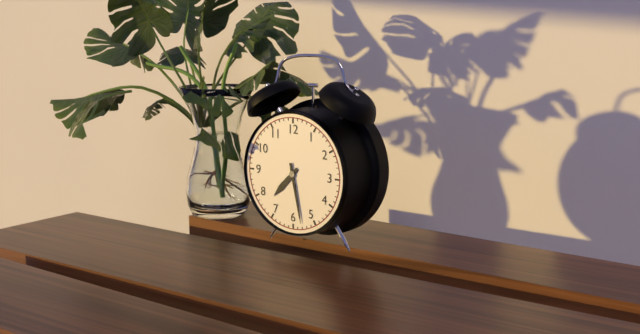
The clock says 7:28
